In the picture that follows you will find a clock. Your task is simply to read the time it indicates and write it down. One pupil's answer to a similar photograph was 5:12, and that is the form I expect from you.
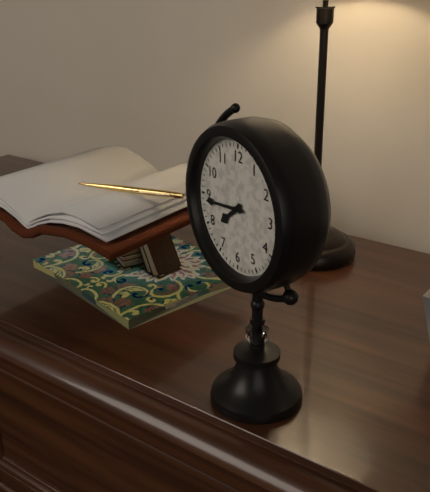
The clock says 7:44
